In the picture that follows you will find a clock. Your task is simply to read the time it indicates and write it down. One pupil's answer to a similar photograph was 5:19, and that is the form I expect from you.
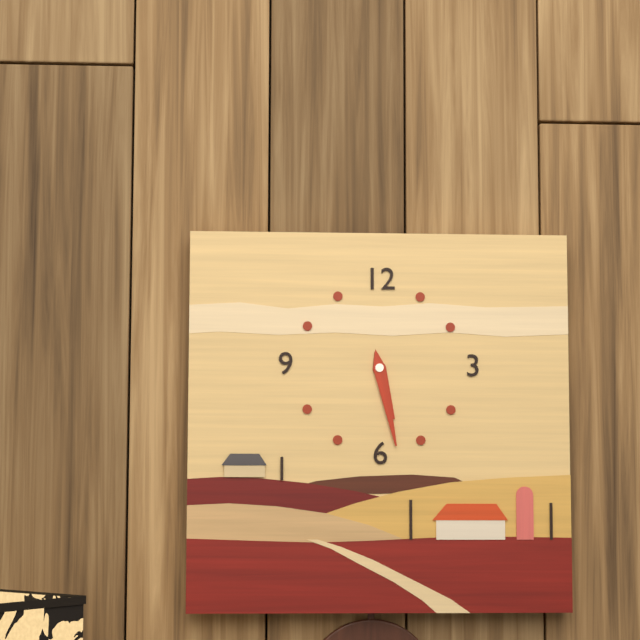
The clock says 5:28
